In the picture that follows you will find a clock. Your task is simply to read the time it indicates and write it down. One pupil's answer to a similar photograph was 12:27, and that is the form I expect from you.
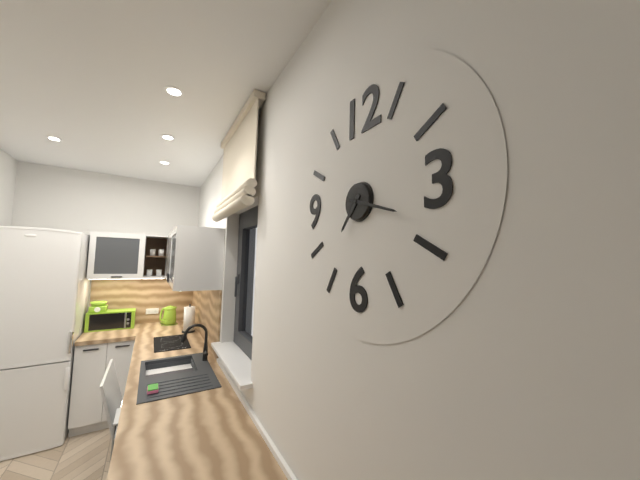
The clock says 7:18
